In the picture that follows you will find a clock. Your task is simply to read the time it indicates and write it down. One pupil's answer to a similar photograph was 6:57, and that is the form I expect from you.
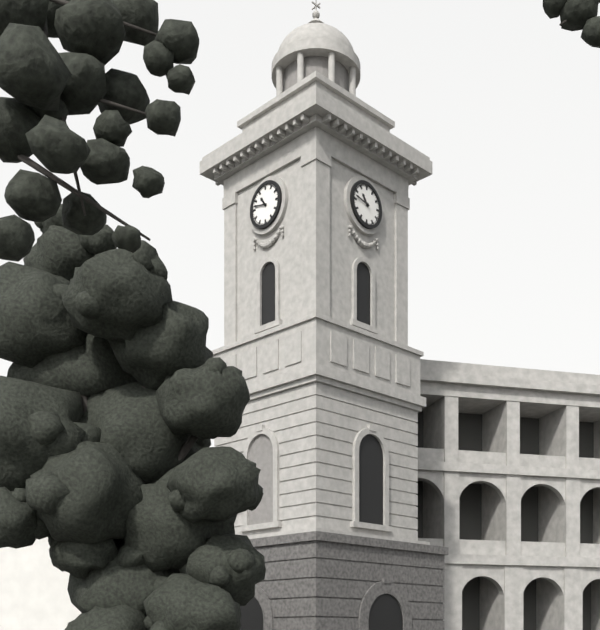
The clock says 10:47
